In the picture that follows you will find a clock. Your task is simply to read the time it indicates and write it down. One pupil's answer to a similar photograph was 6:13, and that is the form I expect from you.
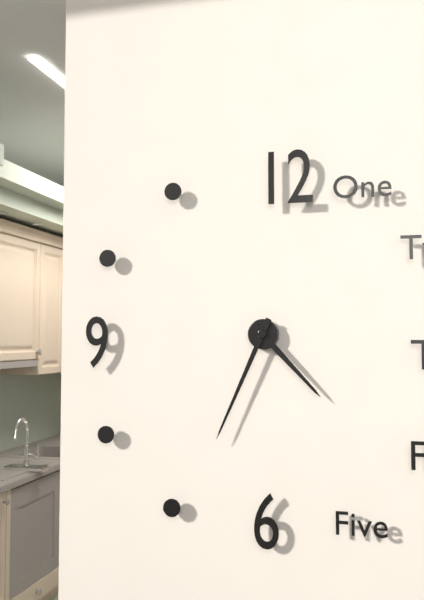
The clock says 4:34
